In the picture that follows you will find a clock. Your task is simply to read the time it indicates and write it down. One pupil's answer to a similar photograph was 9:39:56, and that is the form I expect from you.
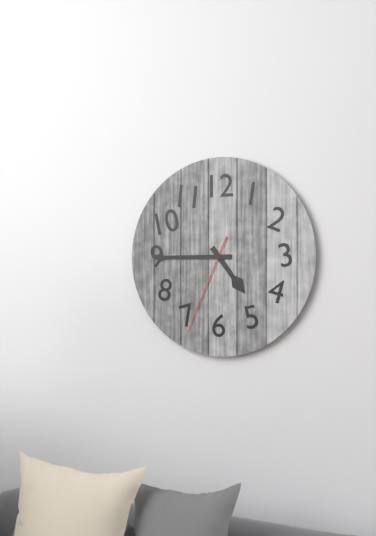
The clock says 4:45:34
